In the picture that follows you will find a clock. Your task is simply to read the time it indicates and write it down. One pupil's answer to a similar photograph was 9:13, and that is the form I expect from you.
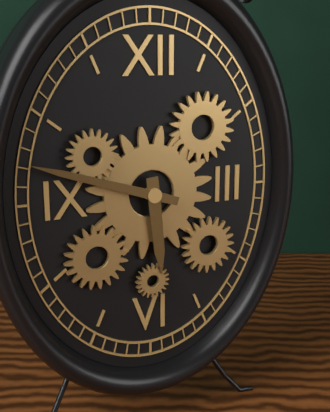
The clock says 5:48
